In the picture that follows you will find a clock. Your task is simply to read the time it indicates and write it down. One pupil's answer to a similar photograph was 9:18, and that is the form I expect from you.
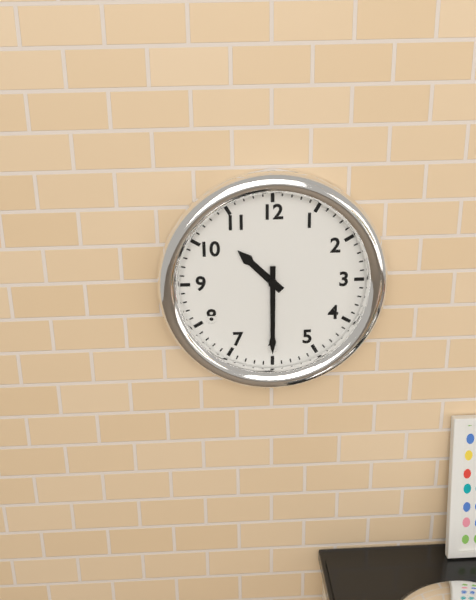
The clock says 10:30
